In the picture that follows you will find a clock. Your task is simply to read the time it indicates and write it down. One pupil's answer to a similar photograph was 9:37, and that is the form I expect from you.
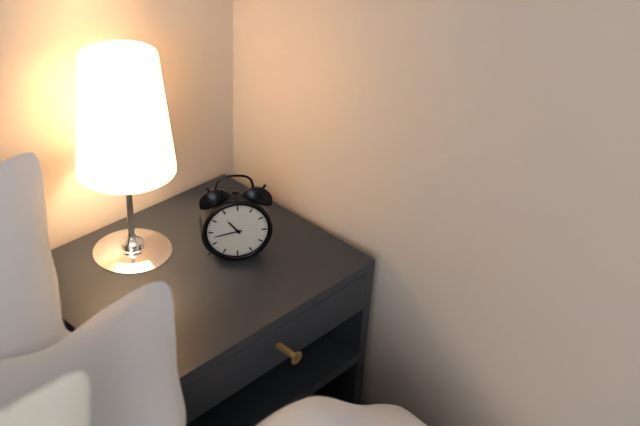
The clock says 10:43
